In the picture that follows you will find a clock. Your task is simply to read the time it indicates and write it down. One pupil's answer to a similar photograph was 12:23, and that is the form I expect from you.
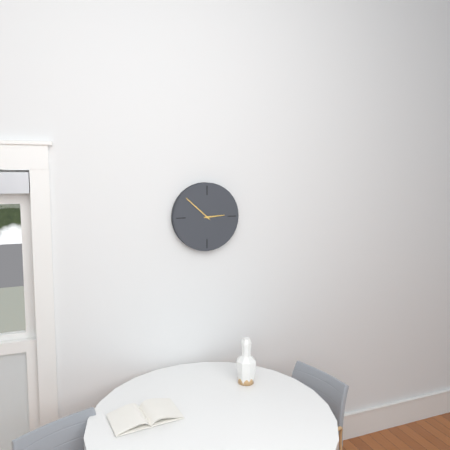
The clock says 2:52
